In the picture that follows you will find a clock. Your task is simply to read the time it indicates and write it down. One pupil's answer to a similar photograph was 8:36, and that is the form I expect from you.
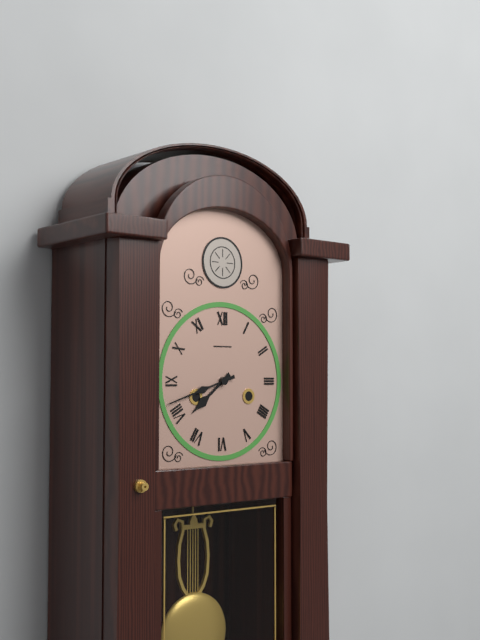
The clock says 7:42
